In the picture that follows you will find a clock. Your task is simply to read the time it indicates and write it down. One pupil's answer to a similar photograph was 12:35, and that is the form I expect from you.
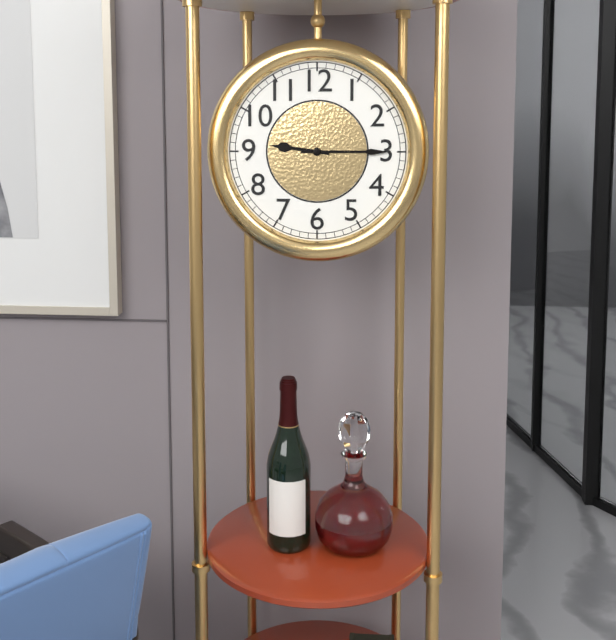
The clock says 9:15
